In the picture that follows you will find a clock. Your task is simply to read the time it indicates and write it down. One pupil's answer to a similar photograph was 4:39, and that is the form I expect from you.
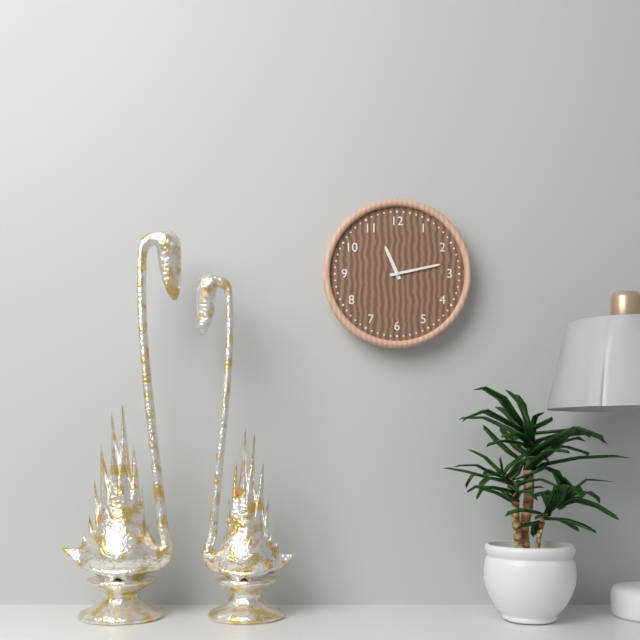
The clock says 11:13
